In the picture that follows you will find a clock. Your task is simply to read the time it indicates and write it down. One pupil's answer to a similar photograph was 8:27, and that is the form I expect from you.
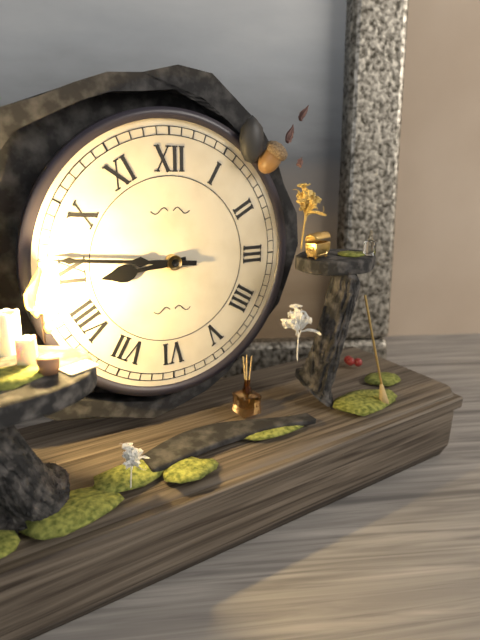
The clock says 8:46
